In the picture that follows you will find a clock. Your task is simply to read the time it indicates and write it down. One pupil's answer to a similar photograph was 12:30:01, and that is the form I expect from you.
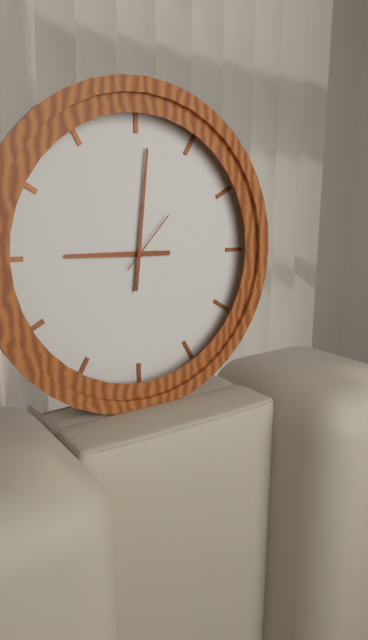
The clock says 9:01:07
